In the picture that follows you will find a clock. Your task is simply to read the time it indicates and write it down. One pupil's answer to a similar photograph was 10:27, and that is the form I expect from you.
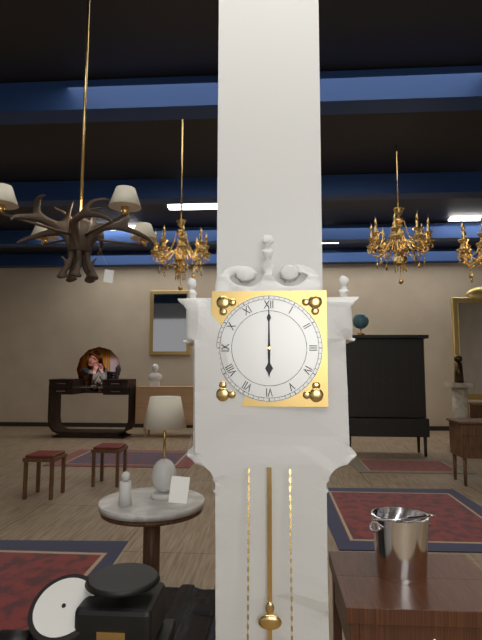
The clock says 6:00
